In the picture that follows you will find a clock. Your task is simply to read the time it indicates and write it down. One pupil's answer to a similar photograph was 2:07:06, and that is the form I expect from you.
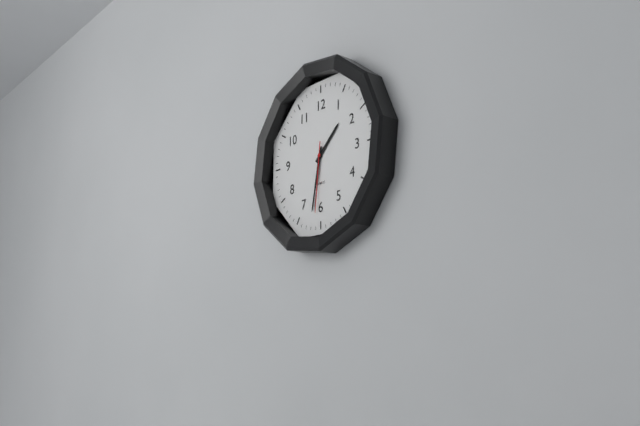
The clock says 1:32:31
